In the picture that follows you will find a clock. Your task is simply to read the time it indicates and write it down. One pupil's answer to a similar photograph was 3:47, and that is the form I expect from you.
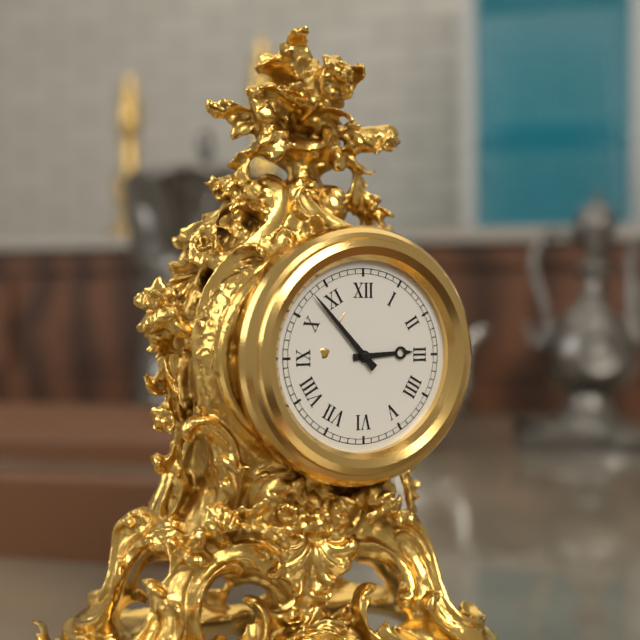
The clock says 2:53
